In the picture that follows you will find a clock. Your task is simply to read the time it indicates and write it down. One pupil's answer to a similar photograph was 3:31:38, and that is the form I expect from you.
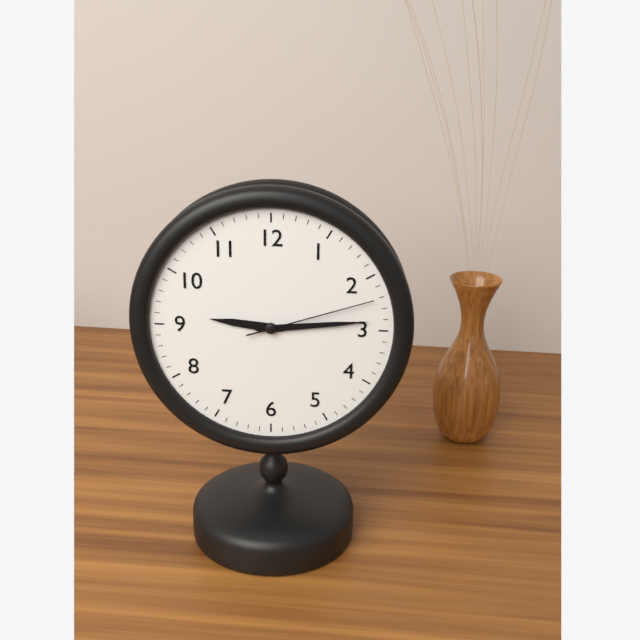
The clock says 9:14:12
